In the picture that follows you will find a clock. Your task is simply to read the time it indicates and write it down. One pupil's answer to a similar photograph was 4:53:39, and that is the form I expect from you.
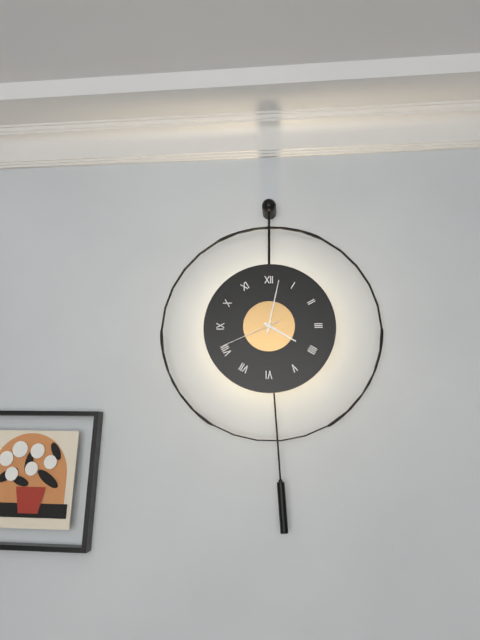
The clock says 4:02:41
